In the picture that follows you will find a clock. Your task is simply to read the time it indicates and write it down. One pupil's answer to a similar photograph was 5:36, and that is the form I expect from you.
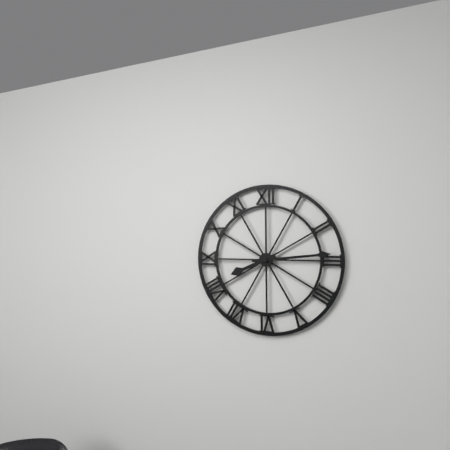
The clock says 8:14
